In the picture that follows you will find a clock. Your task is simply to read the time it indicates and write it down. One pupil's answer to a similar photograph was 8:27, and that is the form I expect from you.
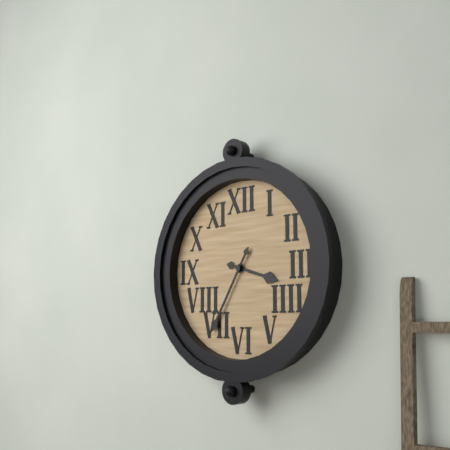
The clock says 3:35
